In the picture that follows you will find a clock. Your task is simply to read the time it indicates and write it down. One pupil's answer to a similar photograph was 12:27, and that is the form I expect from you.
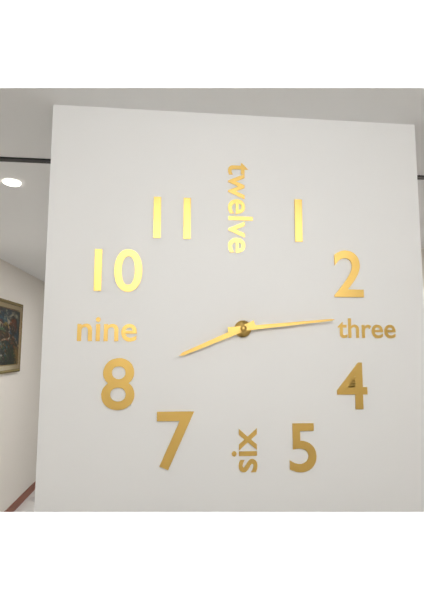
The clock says 8:14
